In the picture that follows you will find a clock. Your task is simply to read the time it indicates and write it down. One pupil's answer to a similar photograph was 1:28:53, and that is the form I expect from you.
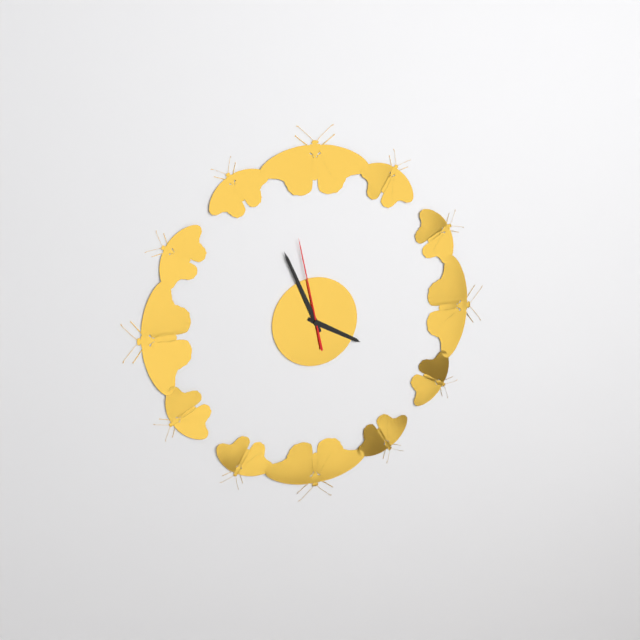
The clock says 3:56:58
